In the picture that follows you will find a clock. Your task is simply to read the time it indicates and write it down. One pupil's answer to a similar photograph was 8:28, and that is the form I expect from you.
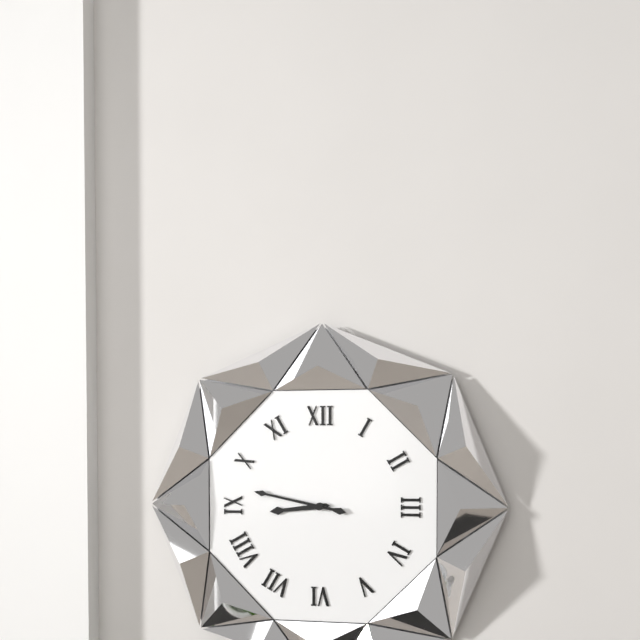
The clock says 8:47
